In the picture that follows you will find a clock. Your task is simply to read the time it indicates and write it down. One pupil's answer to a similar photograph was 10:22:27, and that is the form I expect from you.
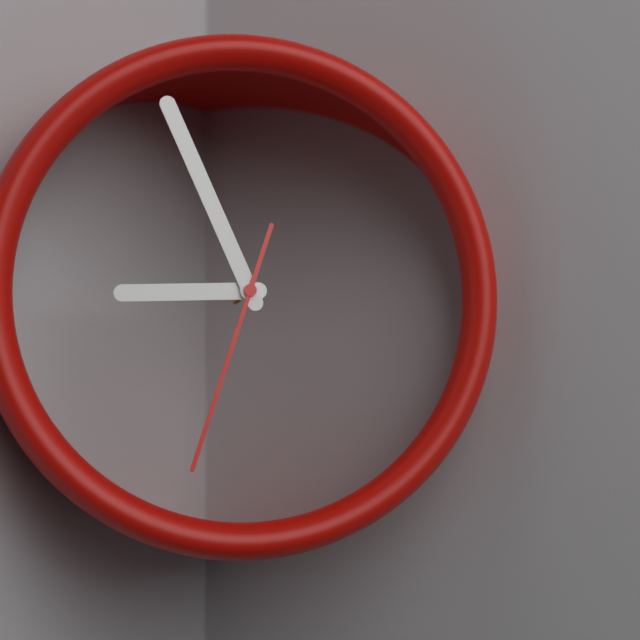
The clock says 8:56:33
